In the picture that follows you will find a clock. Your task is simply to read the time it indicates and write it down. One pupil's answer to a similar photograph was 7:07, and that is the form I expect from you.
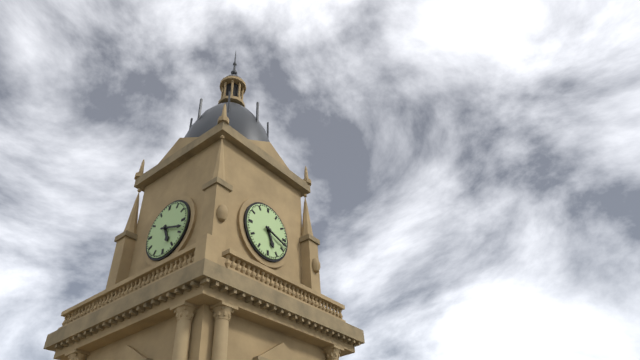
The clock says 5:18
